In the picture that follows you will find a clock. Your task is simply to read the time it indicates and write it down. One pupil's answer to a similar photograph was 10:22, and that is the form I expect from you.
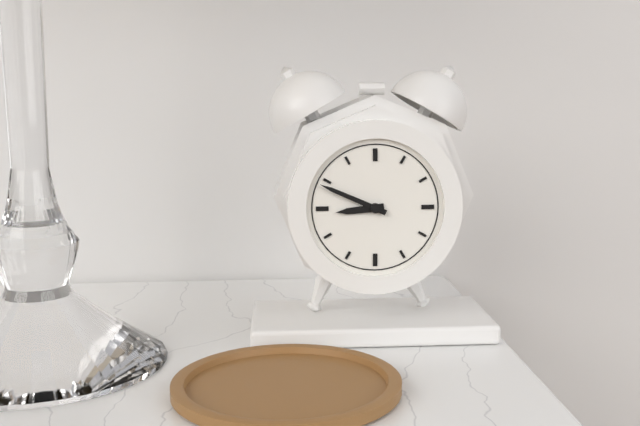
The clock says 8:49
